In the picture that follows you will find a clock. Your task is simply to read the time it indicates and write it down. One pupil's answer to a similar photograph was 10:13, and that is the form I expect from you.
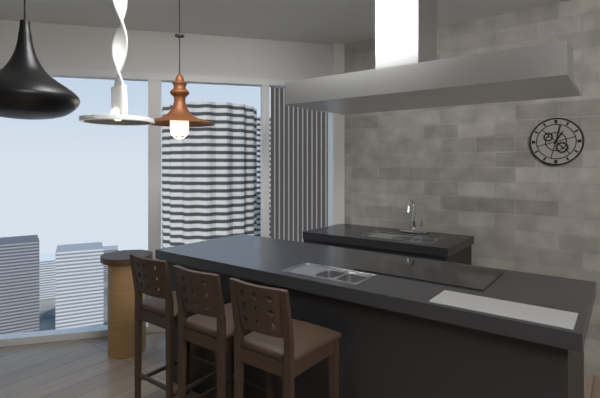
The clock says 1:02
